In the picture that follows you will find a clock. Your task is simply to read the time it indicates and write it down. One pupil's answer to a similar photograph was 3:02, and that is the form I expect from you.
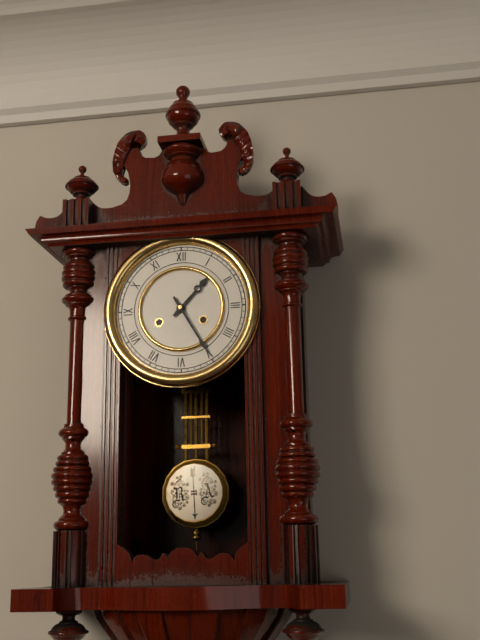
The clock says 1:25
